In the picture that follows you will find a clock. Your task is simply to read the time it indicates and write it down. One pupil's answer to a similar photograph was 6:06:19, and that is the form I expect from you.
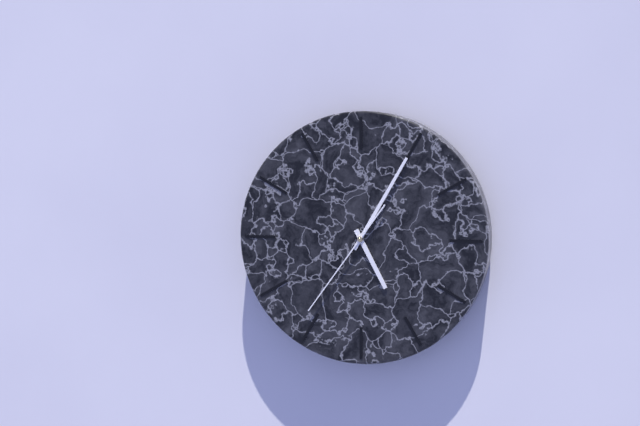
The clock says 5:05:36
